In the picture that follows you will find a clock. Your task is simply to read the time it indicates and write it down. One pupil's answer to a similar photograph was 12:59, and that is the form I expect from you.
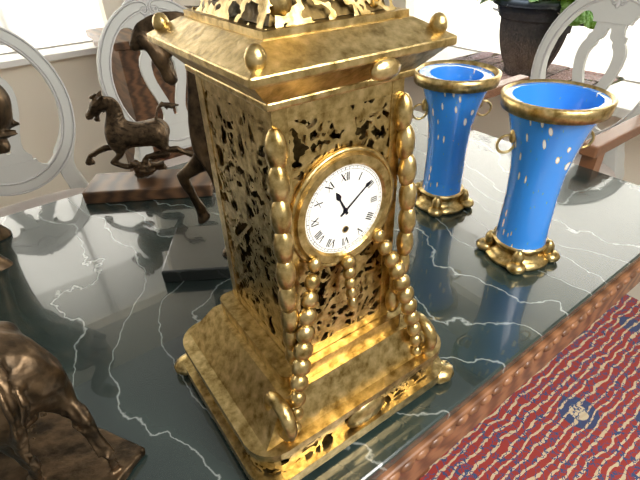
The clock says 11:09
